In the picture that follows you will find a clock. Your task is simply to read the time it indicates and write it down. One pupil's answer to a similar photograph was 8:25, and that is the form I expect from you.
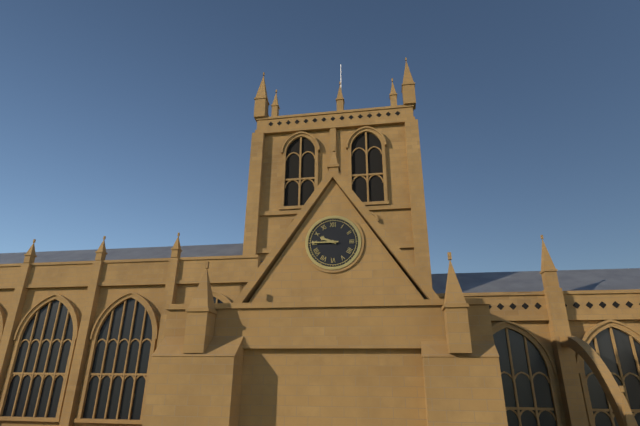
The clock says 9:45
